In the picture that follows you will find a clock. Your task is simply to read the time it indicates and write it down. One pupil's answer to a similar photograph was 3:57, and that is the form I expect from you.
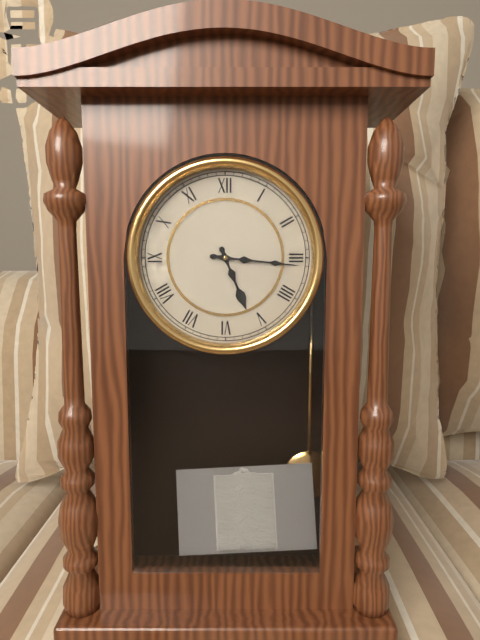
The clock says 5:16
